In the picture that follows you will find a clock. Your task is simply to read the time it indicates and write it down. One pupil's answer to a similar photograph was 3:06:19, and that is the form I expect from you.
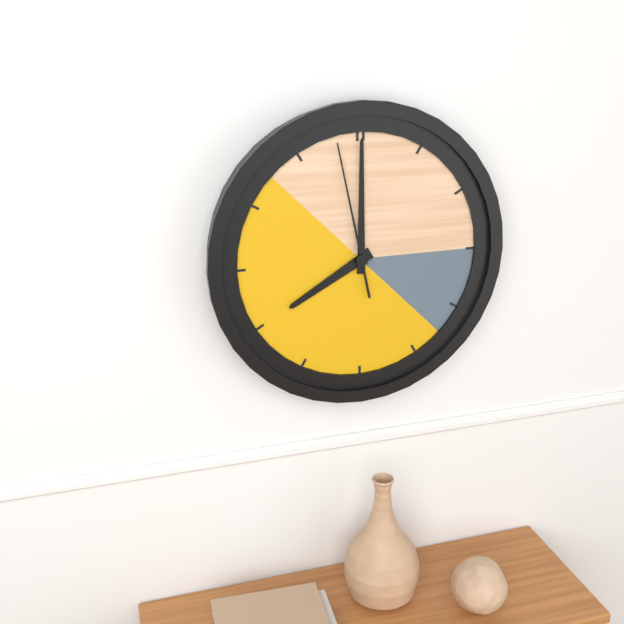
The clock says 8:00:58
